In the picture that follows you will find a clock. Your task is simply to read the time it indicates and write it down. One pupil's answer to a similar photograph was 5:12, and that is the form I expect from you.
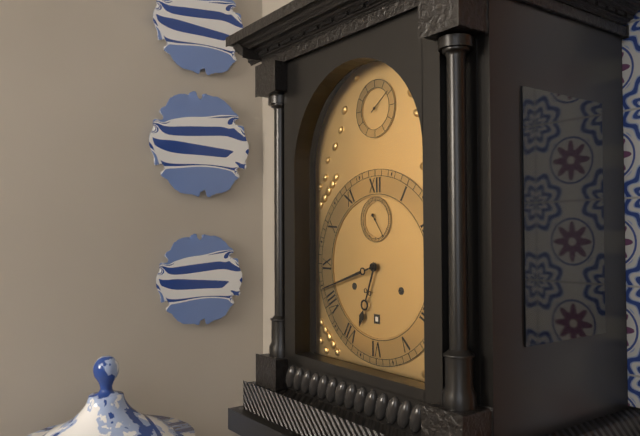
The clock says 6:42
